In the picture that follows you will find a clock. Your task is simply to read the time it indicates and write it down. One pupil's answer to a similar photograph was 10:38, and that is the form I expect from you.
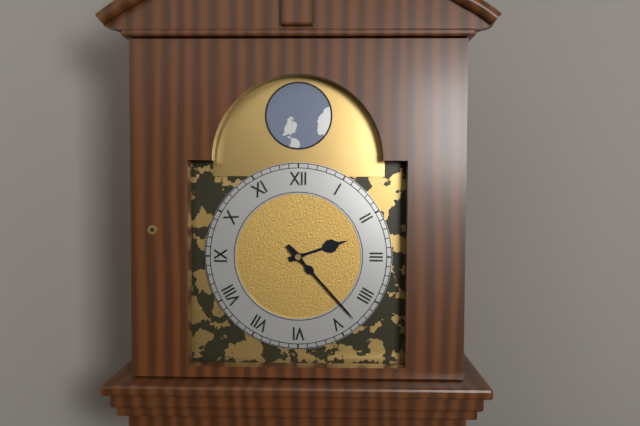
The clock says 2:23
